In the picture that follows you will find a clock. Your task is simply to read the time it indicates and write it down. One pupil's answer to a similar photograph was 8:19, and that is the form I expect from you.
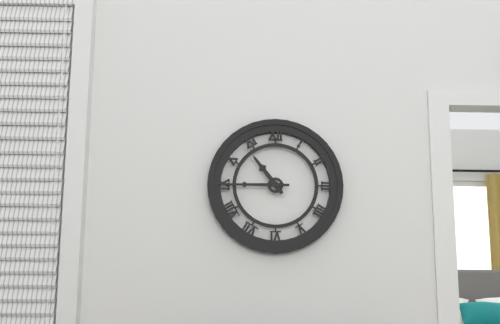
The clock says 10:45
